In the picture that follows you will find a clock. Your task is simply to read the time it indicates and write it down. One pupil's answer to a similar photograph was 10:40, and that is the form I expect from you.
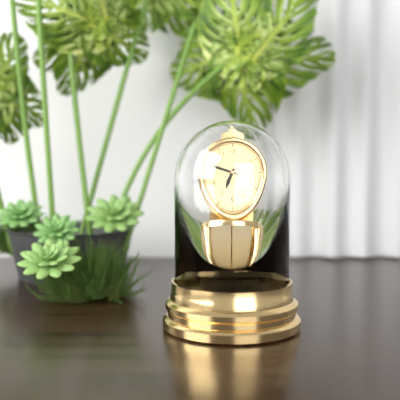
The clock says 6:48
